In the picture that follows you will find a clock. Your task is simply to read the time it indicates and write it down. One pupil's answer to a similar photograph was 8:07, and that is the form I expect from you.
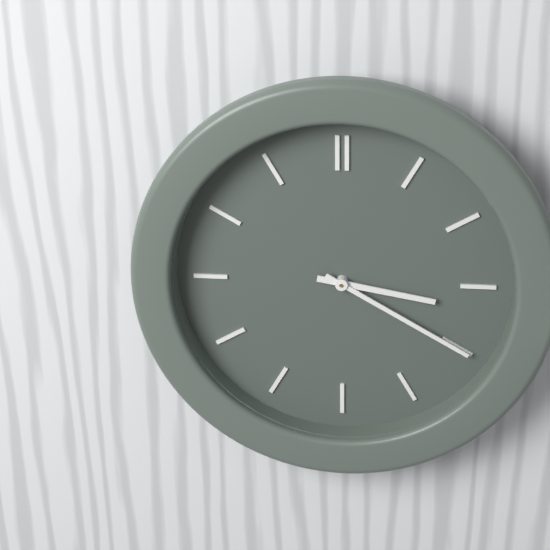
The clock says 3:20
